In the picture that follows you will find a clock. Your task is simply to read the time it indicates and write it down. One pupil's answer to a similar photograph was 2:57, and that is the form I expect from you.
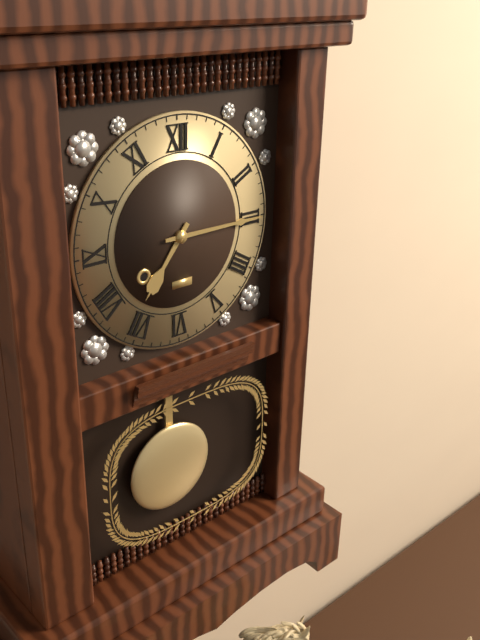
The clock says 7:15
